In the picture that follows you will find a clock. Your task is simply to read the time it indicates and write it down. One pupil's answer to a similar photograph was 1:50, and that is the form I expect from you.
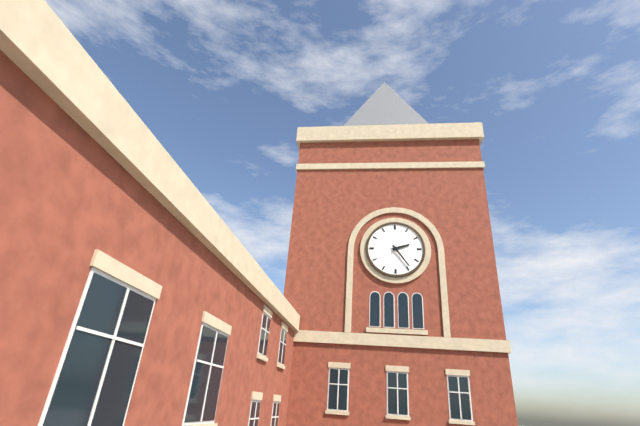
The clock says 2:24
